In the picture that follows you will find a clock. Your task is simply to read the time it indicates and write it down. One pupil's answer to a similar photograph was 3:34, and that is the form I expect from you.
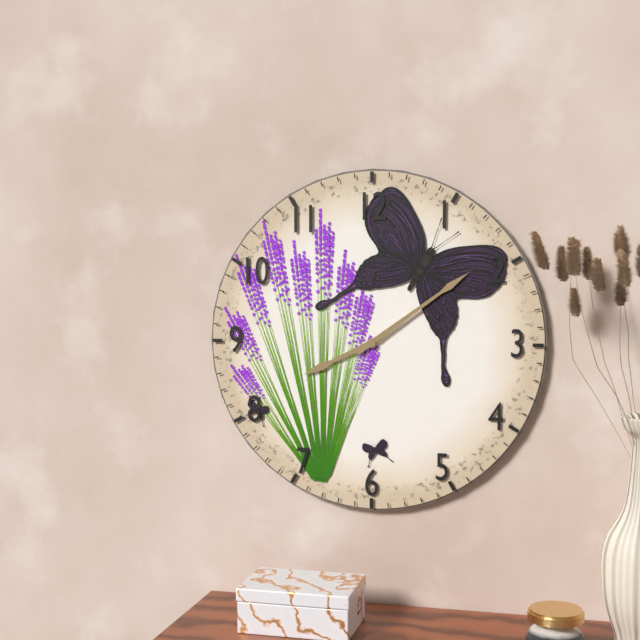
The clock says 8:09
